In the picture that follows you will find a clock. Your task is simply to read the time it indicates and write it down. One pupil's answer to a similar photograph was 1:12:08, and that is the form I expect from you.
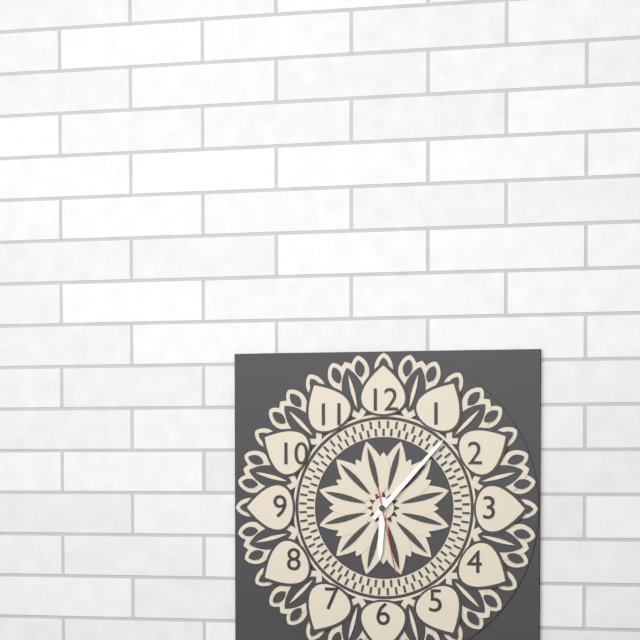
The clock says 6:07:28
